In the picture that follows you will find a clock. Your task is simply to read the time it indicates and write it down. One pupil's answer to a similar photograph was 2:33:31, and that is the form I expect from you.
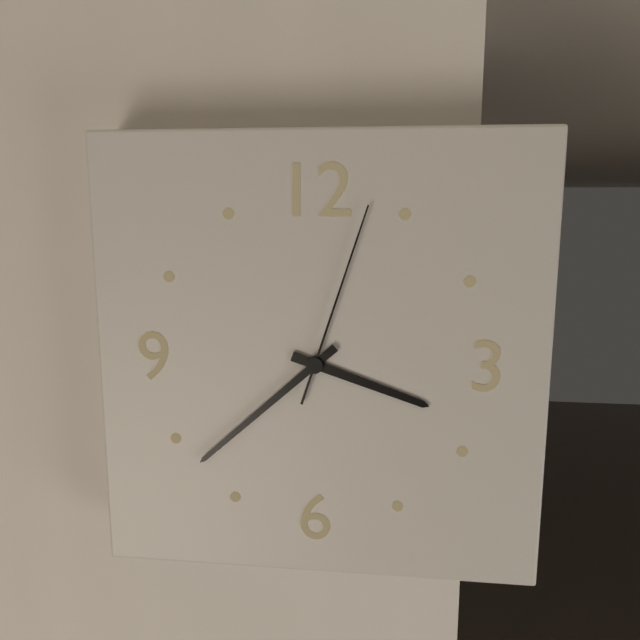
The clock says 3:38:03
